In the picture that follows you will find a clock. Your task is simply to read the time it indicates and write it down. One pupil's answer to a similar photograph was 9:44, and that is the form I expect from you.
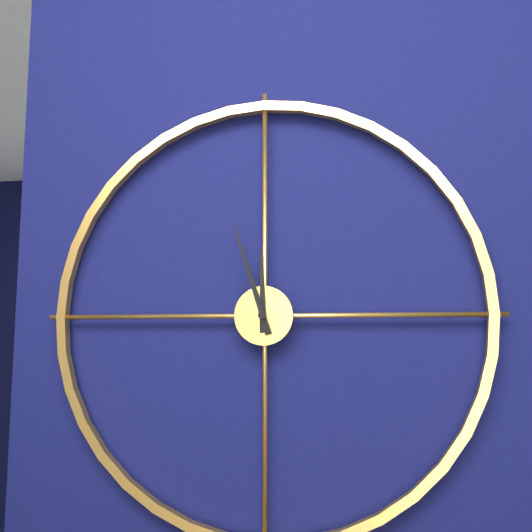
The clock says 11:57
